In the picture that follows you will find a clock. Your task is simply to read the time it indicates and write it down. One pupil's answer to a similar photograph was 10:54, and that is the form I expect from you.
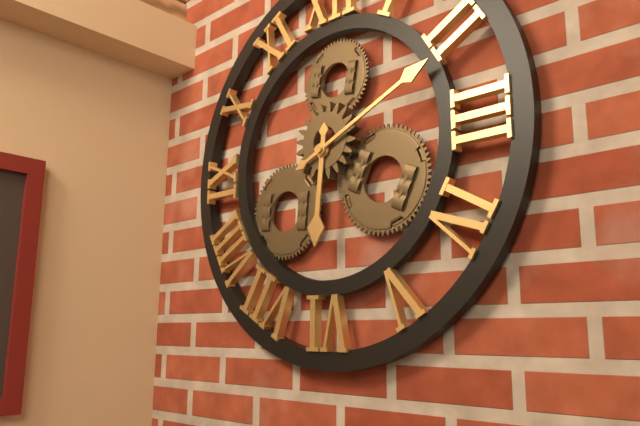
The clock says 6:11
